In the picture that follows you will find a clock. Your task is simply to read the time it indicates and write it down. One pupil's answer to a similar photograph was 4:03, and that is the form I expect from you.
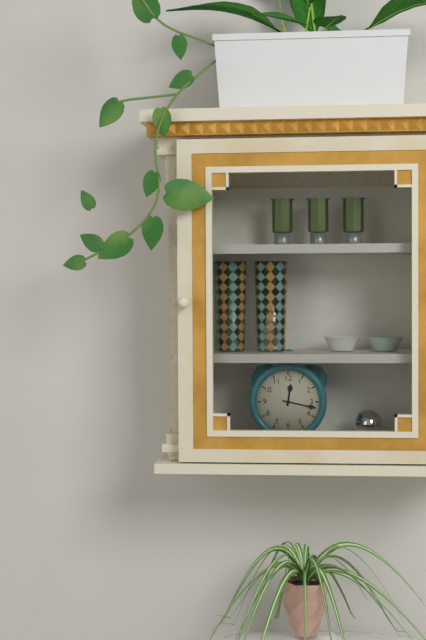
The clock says 12:17
